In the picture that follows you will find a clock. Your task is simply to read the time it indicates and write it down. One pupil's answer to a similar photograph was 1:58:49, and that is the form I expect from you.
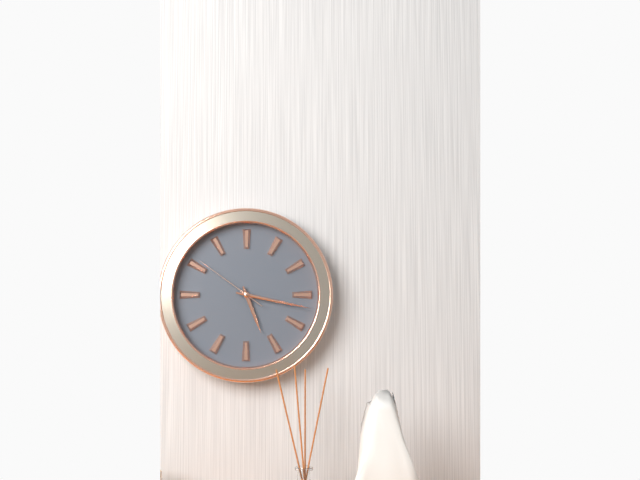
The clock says 5:17:51
